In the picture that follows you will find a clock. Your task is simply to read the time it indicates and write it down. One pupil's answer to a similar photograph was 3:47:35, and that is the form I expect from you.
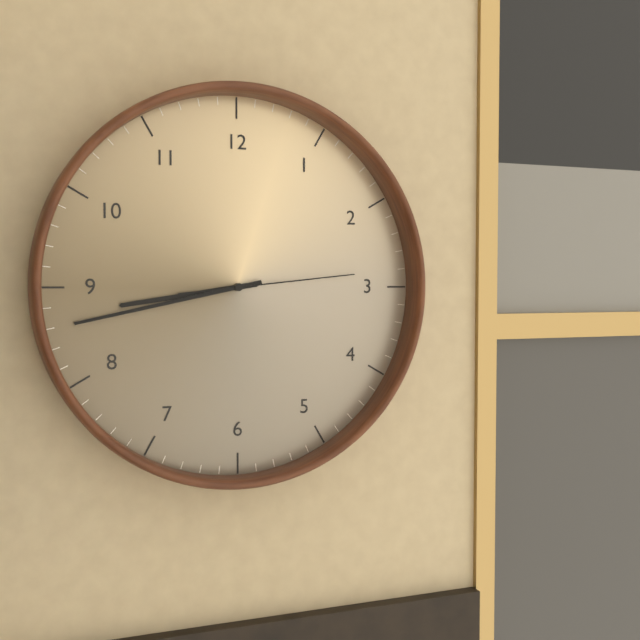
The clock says 8:43:14
